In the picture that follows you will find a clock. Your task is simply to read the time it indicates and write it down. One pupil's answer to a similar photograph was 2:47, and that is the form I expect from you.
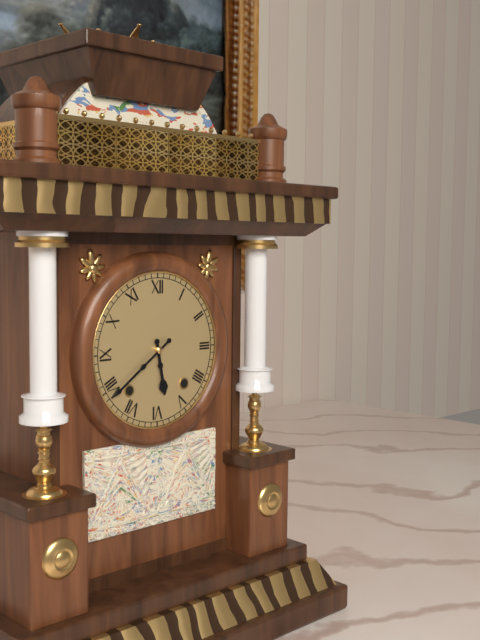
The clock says 5:39
